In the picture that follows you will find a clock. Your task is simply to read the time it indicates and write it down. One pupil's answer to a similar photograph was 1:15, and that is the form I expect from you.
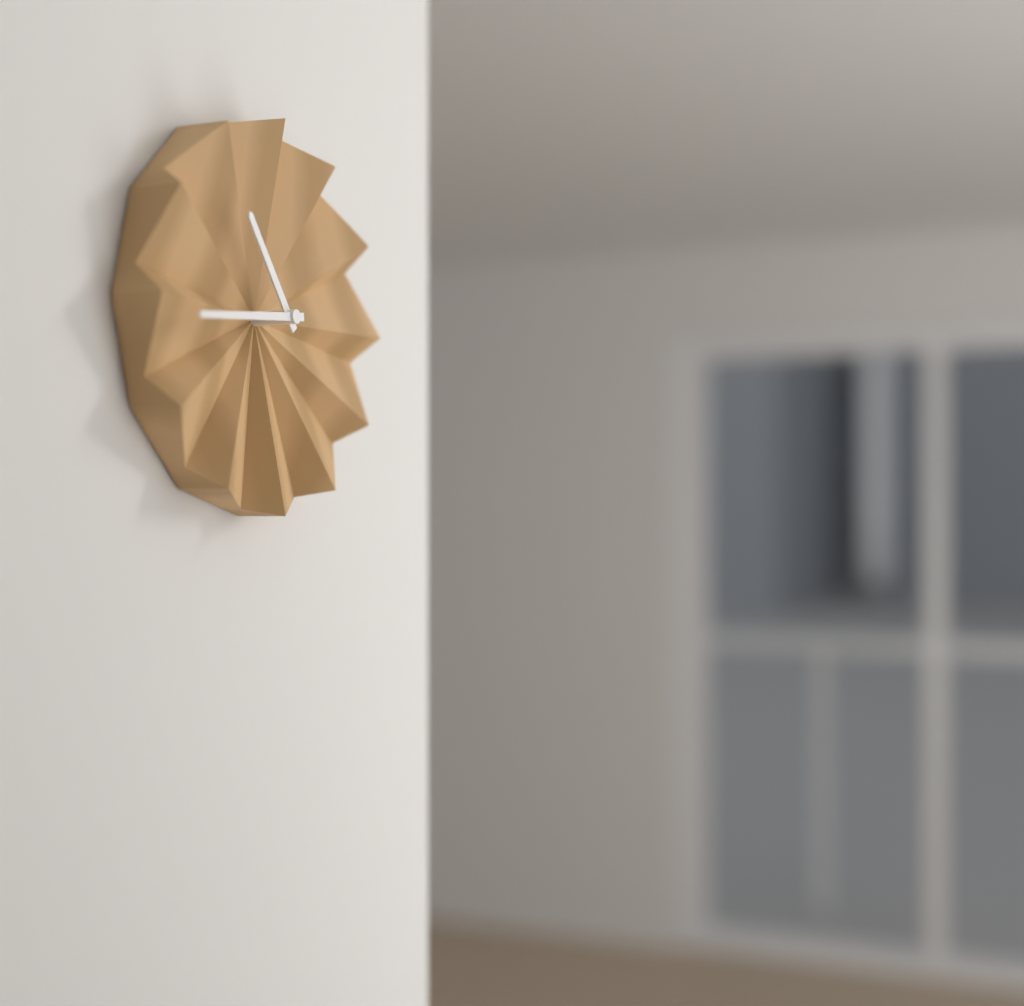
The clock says 10:44
